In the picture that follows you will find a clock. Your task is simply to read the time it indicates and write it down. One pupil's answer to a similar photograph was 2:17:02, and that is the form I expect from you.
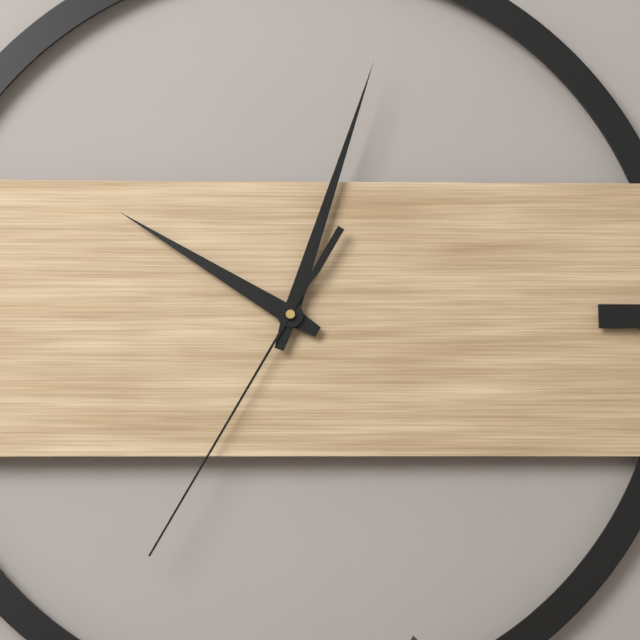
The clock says 10:03:35
